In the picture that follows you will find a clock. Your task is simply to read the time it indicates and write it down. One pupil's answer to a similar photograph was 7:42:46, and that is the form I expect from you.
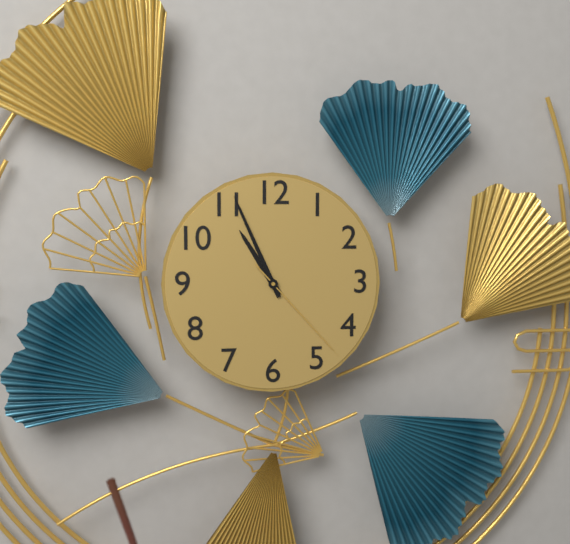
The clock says 10:56:23
